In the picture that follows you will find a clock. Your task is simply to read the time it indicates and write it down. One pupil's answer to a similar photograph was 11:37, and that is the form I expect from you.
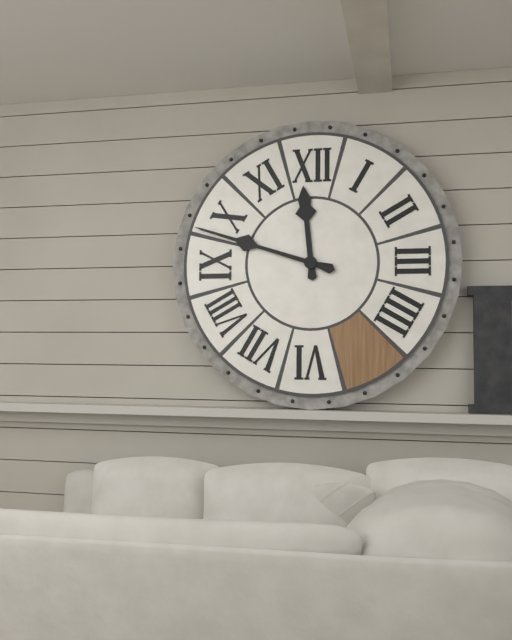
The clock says 11:48
